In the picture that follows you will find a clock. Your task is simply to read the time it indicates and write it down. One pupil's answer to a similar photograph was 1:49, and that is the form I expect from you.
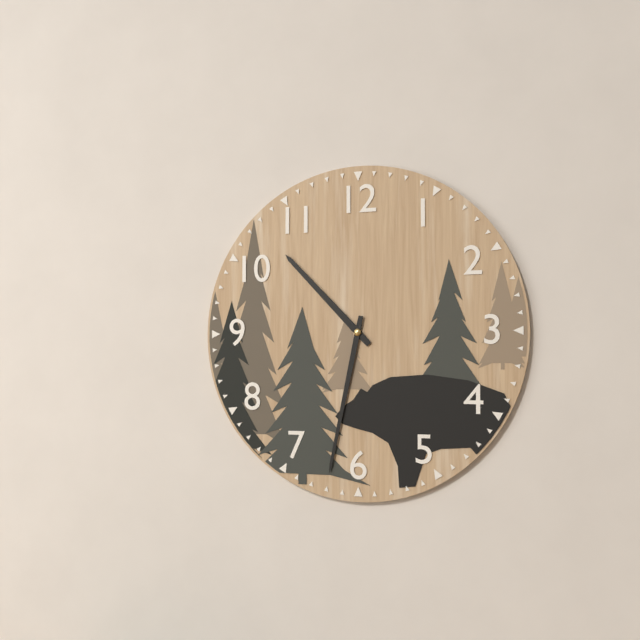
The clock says 10:32
